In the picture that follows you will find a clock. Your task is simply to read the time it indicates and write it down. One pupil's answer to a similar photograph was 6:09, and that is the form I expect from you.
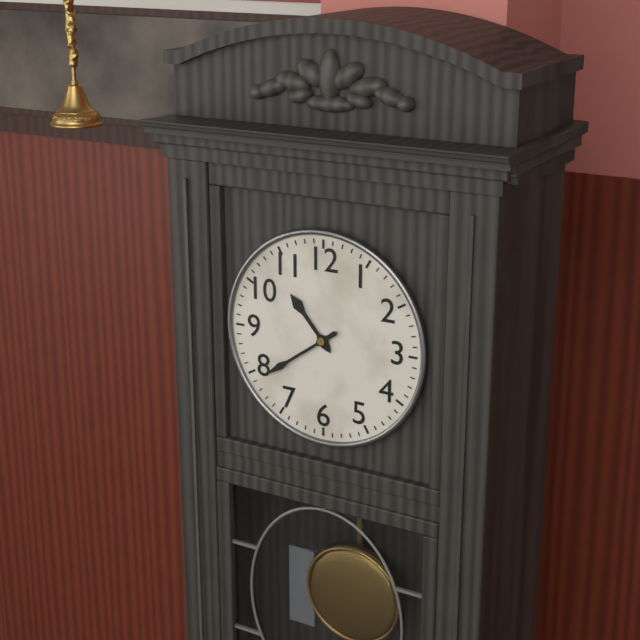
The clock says 10:39
